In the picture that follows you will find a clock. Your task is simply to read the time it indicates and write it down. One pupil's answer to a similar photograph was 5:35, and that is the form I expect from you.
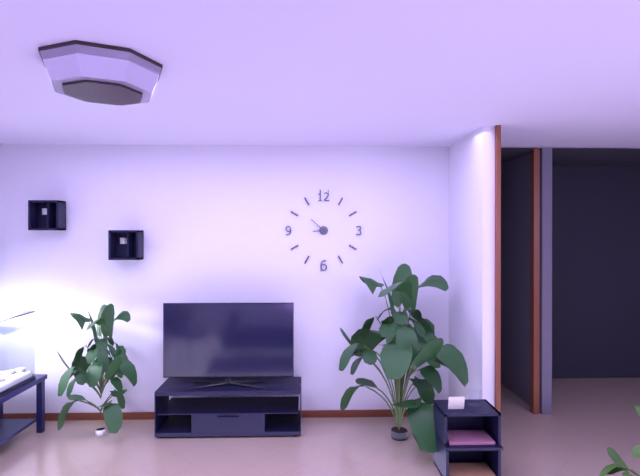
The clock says 8:52
